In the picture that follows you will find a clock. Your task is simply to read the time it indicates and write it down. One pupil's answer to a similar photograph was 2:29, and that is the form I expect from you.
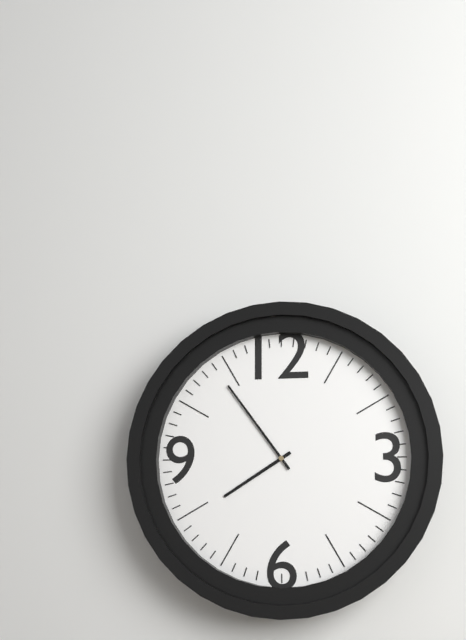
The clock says 7:54
